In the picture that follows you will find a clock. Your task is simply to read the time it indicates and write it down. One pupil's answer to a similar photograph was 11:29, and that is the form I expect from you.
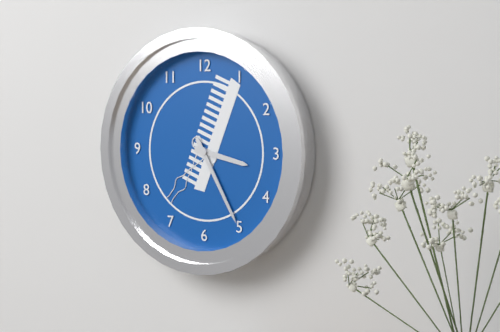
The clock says 3:25
